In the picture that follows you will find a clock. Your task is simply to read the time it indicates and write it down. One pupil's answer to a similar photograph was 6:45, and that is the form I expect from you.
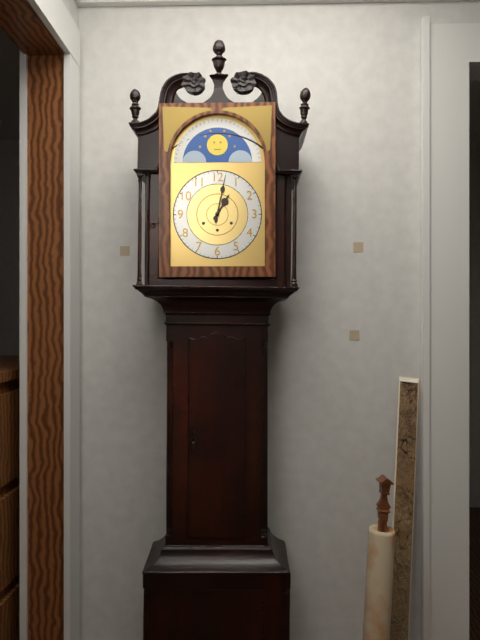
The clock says 1:02
